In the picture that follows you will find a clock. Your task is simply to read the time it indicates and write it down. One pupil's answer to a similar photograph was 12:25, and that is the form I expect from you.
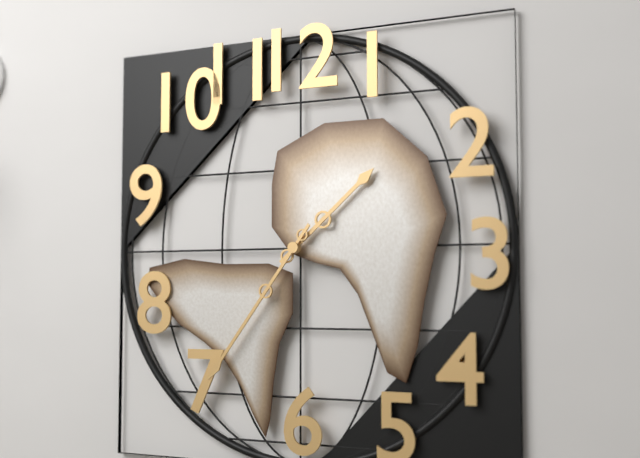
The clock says 1:36
